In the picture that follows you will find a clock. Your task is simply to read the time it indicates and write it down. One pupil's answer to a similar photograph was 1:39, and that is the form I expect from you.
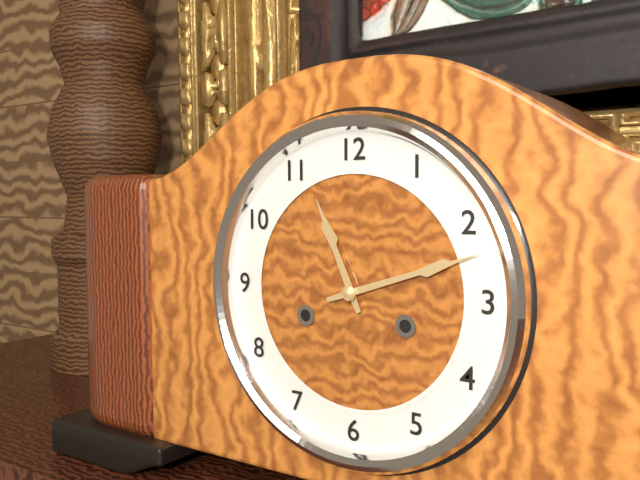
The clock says 11:12
